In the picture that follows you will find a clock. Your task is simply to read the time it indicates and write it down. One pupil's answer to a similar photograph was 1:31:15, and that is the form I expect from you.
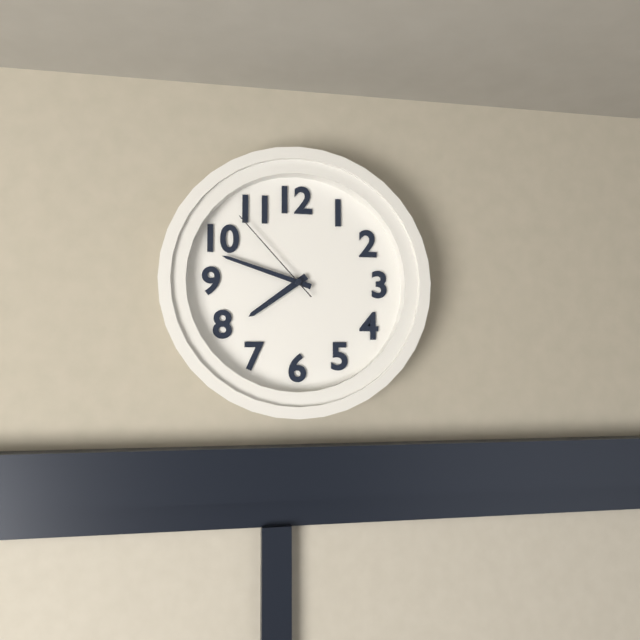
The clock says 7:48:53
